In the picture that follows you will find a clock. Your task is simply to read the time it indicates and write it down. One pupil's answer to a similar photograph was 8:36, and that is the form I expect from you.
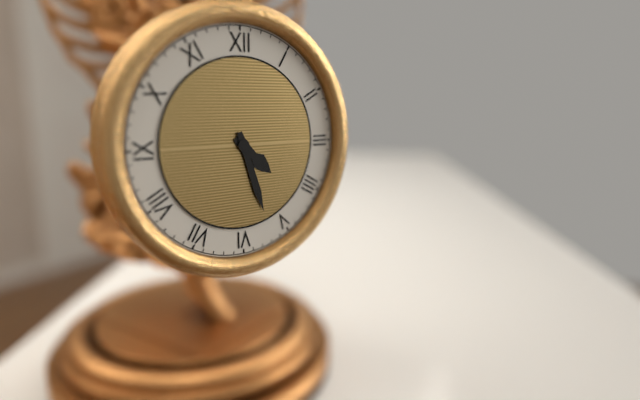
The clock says 4:27
